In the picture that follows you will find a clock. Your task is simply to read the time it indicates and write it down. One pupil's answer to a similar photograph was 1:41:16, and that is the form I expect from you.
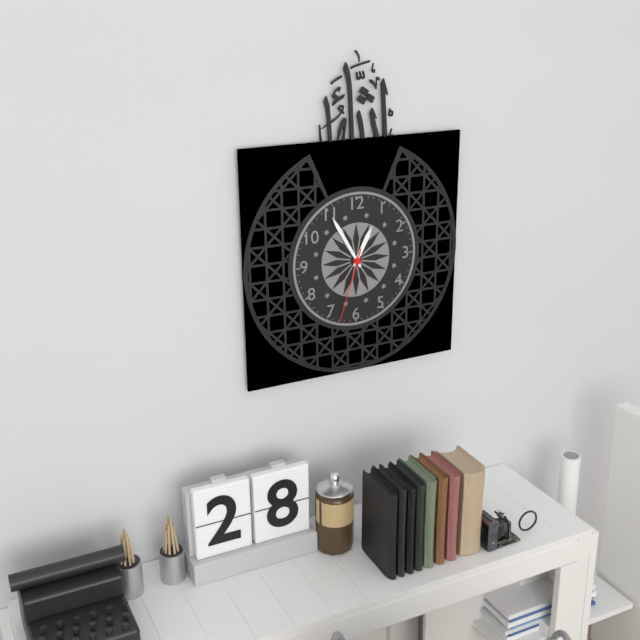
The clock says 12:55:33
